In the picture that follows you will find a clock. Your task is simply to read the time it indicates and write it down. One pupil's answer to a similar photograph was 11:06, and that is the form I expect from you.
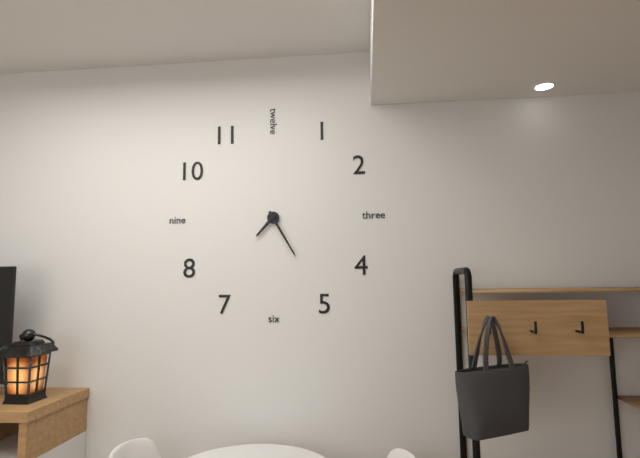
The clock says 7:25
